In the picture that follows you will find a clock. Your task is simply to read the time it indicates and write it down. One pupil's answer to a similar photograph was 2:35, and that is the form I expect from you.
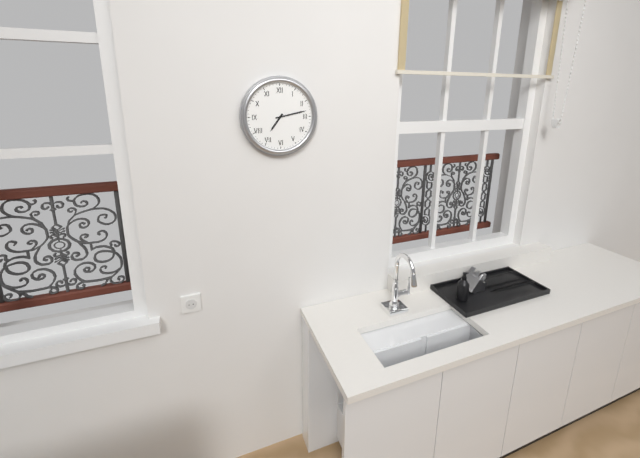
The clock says 7:13
